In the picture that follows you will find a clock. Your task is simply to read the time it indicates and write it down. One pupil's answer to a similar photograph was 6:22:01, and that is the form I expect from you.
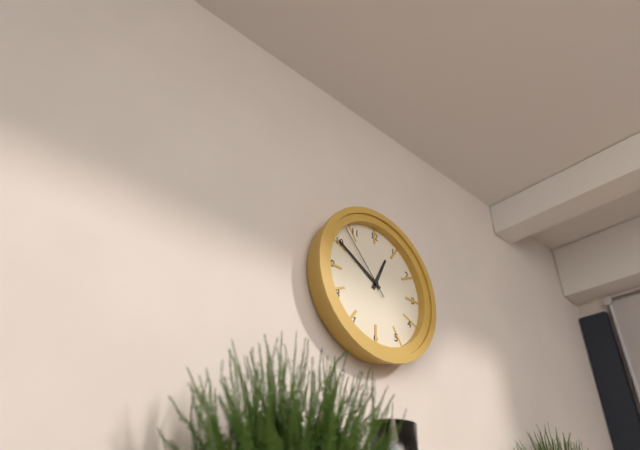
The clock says 12:50:53
